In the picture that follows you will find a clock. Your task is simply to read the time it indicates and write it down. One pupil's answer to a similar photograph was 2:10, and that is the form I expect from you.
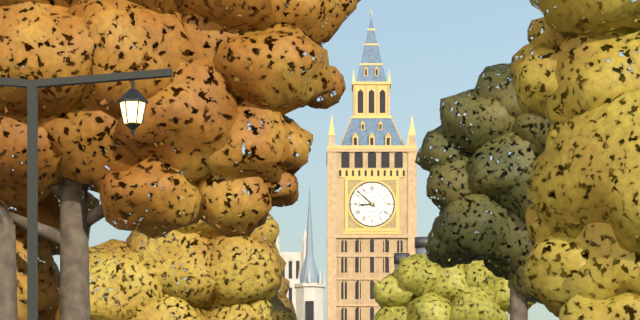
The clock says 8:52
